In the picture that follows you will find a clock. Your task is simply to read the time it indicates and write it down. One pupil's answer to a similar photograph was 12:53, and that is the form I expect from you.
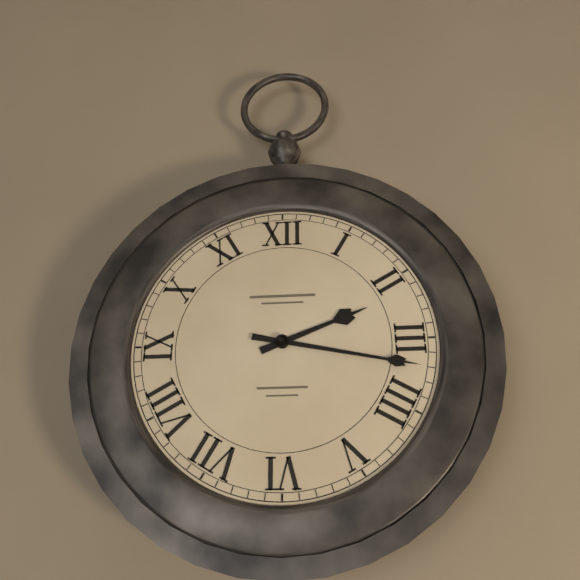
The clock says 2:17
